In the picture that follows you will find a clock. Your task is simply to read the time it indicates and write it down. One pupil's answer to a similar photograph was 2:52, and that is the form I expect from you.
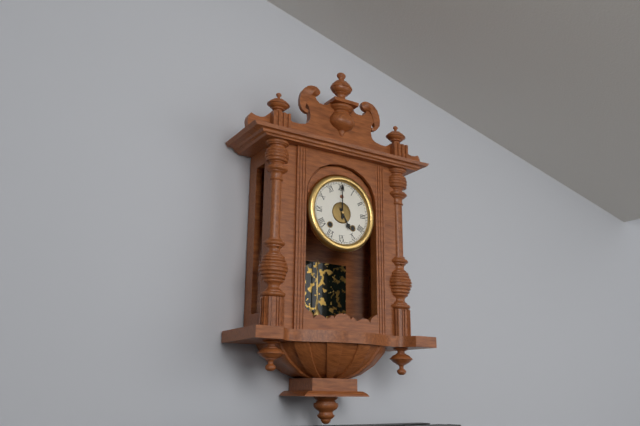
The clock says 5:00
